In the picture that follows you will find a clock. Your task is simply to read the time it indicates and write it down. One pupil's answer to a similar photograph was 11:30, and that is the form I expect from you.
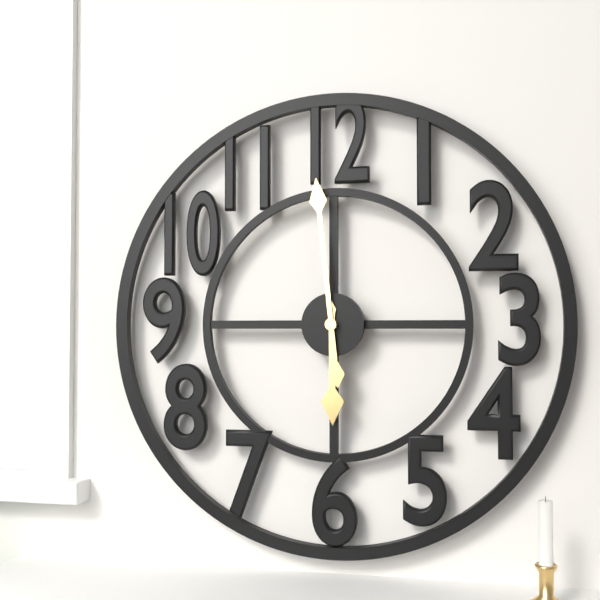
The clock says 5:59
